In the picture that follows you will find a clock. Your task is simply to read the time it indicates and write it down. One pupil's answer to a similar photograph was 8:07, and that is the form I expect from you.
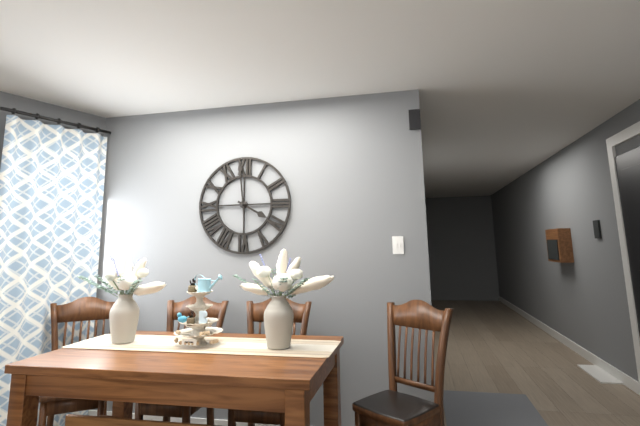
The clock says 3:59
